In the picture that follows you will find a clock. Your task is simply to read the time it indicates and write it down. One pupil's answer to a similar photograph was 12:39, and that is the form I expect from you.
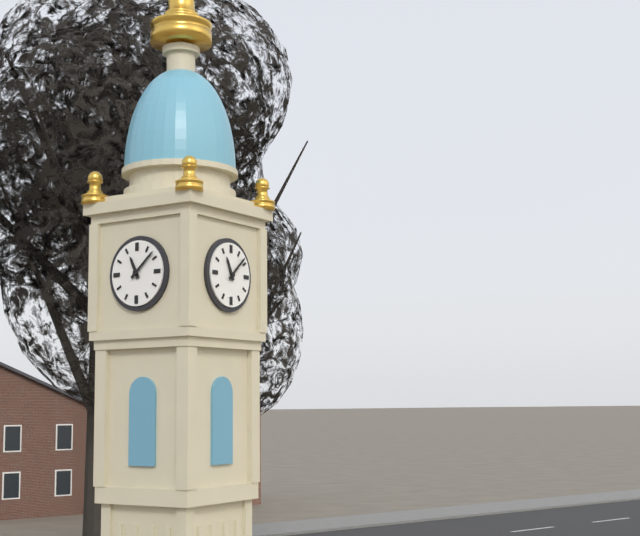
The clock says 11:08
